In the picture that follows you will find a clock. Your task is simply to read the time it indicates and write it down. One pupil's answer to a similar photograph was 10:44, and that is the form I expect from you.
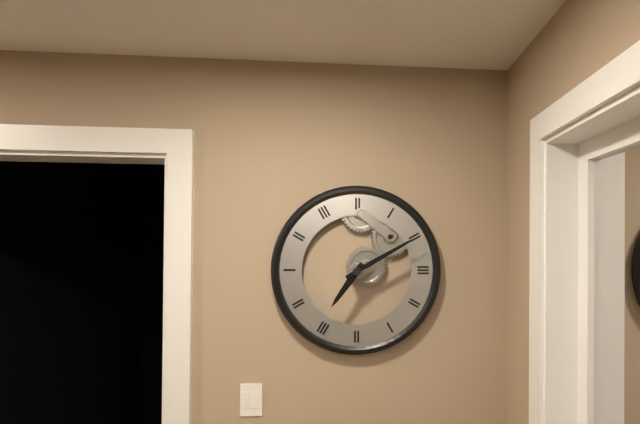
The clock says 7:10
